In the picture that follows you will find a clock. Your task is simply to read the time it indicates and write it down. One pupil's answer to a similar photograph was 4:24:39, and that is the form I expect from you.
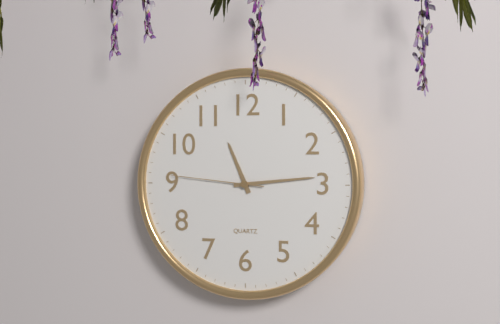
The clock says 11:14:46
